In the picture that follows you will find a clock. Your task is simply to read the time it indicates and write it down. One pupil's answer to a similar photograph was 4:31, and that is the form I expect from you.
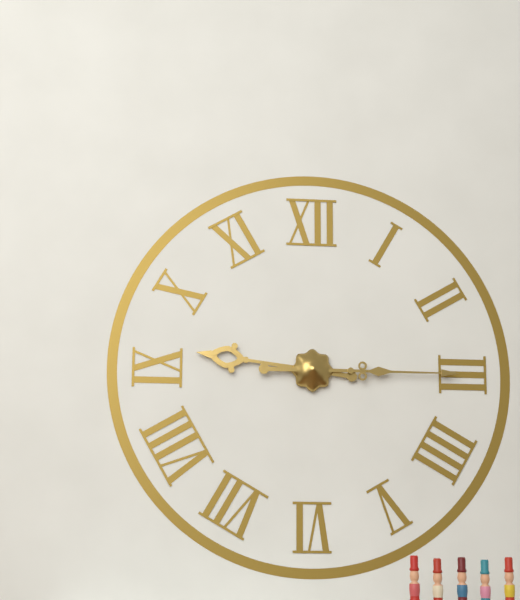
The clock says 9:15
